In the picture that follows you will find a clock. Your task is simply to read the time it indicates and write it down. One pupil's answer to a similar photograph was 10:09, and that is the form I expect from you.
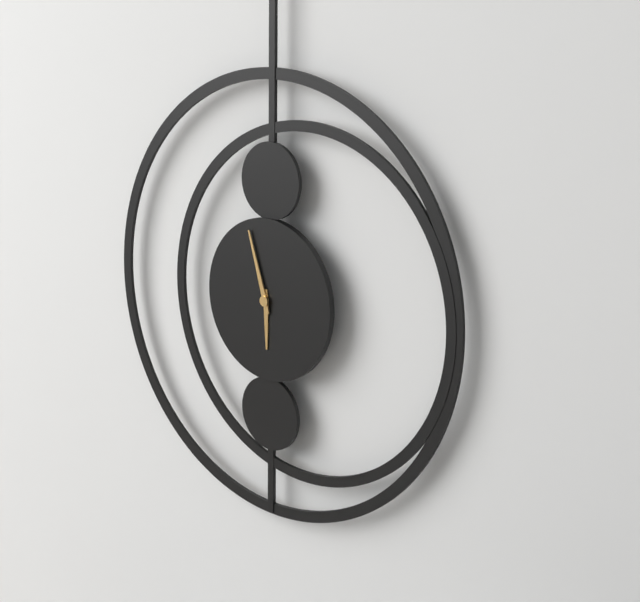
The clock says 5:57
